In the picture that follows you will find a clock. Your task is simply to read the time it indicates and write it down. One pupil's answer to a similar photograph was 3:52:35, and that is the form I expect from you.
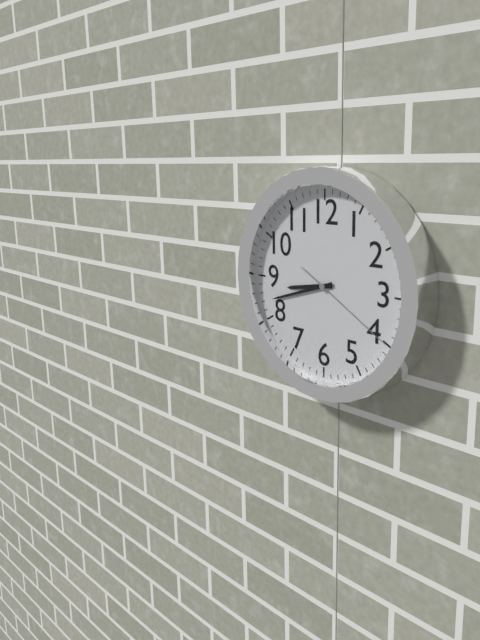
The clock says 8:42:20
